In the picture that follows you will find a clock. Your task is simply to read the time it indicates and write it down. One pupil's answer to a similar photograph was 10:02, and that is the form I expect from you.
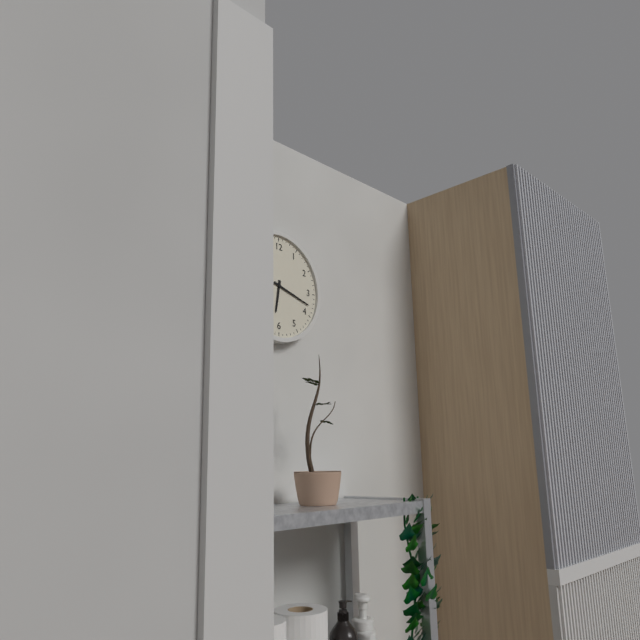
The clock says 6:18
